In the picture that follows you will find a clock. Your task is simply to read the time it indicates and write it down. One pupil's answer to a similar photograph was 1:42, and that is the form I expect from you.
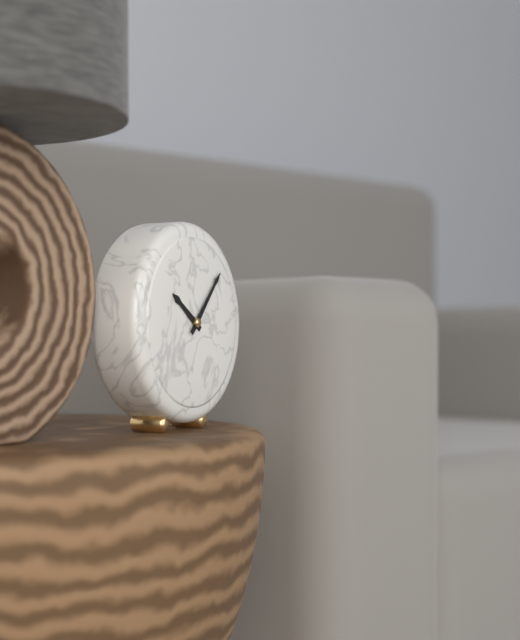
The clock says 10:07
